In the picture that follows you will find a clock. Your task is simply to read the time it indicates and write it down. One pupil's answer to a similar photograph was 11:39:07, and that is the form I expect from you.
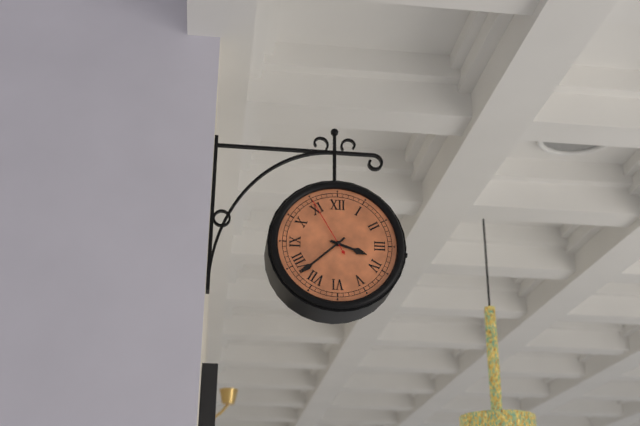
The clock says 3:38:55
